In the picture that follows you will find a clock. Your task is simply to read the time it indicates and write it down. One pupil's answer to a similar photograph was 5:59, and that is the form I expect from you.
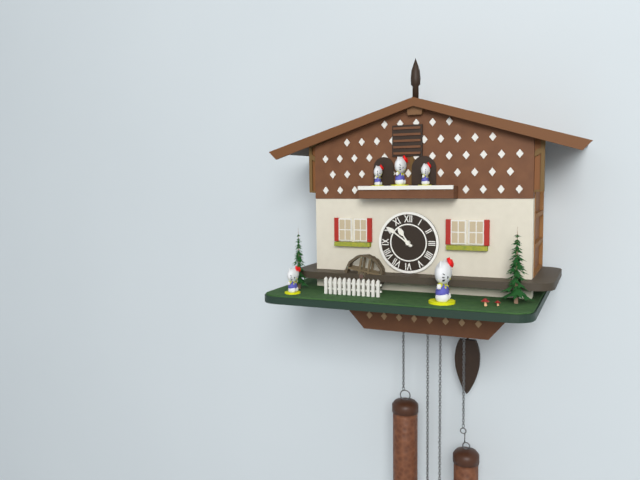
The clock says 10:51
